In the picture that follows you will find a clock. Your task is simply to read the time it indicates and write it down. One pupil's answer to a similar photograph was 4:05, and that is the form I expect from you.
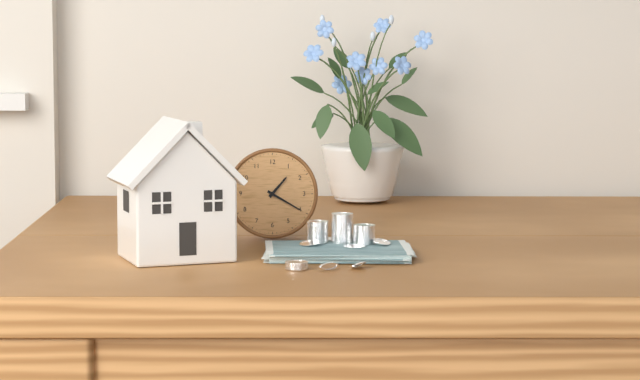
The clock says 1:20
